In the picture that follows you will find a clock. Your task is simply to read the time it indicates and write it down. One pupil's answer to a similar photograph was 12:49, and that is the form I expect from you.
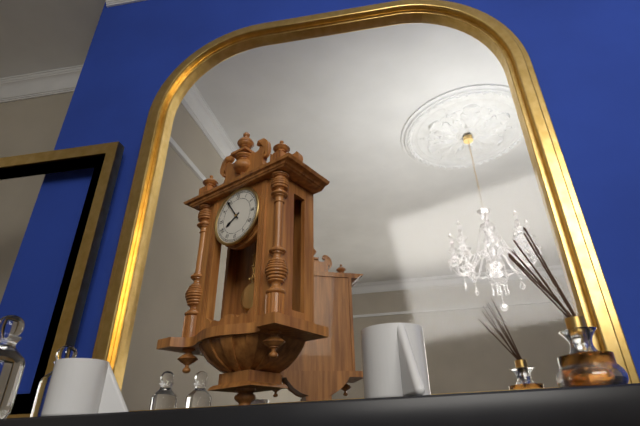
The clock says 7:54
